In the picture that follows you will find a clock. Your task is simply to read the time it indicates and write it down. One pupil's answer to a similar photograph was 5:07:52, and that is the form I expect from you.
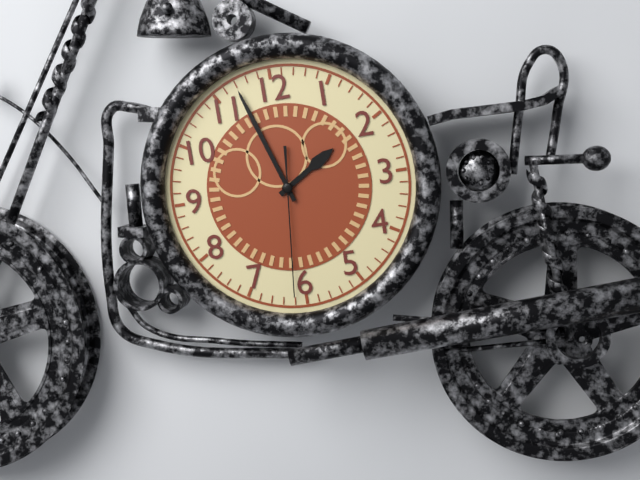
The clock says 1:57:31
